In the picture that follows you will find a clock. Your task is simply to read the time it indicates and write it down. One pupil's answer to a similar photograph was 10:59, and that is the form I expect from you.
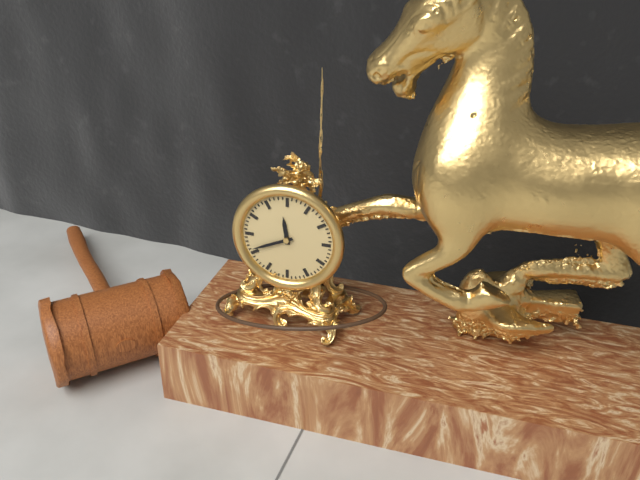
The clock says 11:41
